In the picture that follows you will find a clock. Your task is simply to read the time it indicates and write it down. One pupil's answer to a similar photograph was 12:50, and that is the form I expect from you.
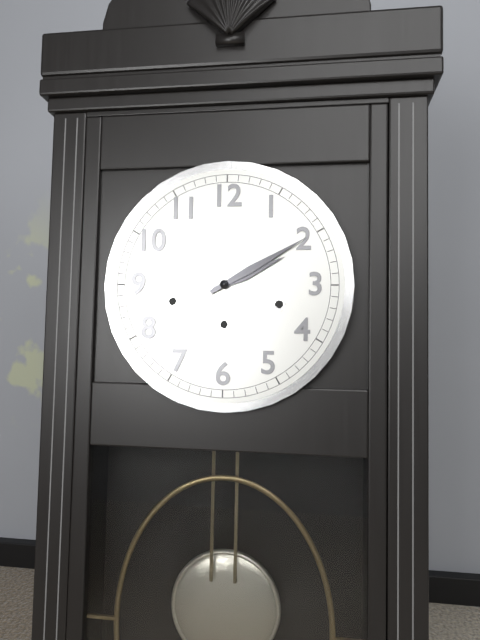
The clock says 2:10
